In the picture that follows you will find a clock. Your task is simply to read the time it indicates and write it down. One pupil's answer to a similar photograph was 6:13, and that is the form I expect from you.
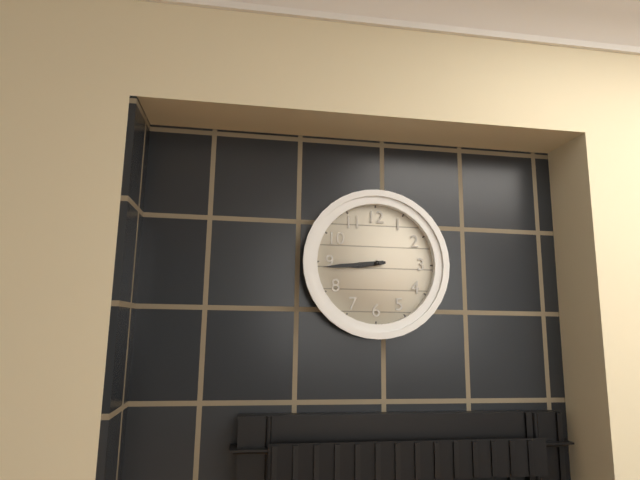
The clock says 8:44
